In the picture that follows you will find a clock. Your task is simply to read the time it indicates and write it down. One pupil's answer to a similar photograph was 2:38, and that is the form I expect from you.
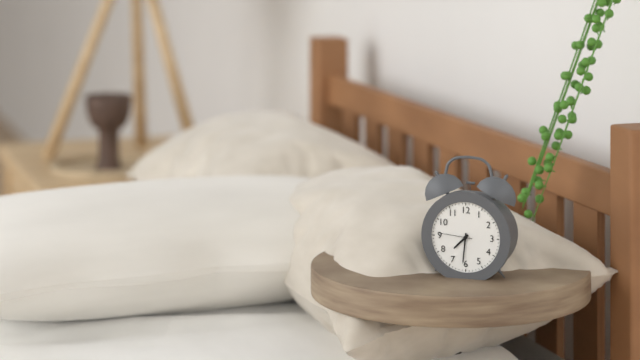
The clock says 7:31
